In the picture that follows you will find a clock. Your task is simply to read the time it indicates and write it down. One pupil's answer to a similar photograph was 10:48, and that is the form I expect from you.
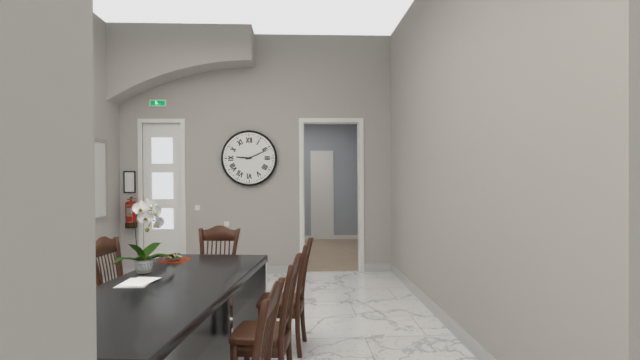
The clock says 9:11
